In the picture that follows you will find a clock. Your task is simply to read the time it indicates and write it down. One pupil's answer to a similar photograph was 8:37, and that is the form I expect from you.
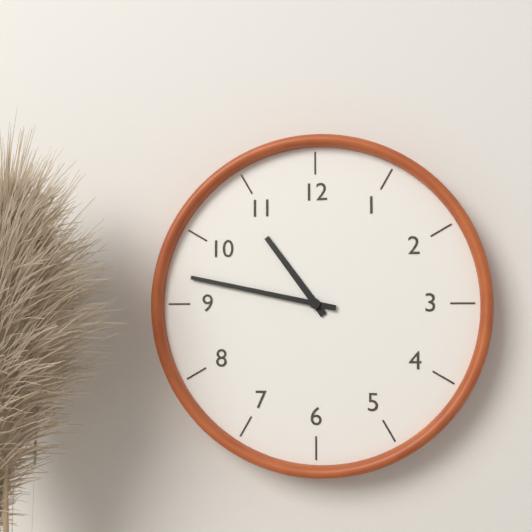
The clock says 10:47
